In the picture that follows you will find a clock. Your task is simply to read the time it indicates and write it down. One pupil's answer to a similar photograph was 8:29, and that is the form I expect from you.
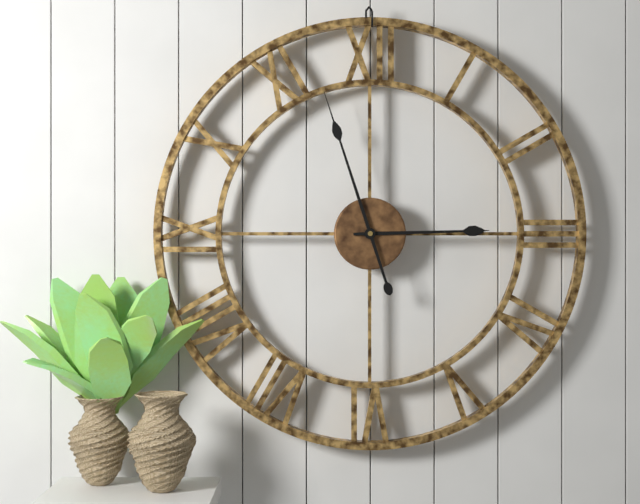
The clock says 2:57
